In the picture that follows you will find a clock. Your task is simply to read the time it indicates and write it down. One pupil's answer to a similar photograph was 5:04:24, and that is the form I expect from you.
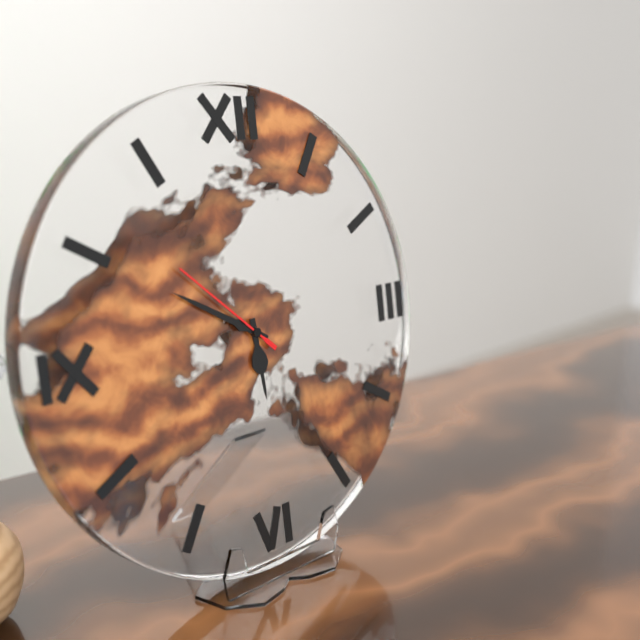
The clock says 5:50:52
